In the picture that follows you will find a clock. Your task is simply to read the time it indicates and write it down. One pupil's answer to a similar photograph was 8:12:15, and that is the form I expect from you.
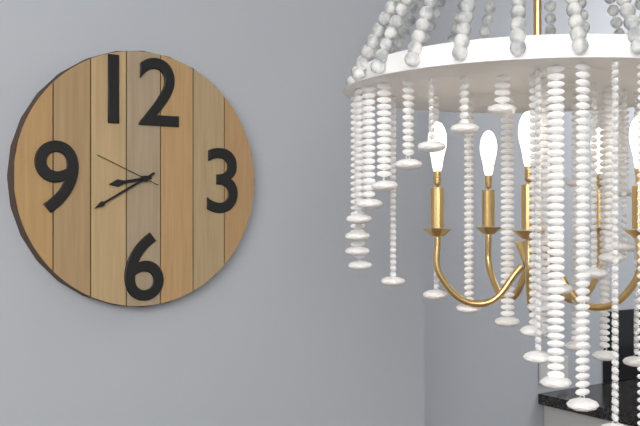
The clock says 8:40:49
